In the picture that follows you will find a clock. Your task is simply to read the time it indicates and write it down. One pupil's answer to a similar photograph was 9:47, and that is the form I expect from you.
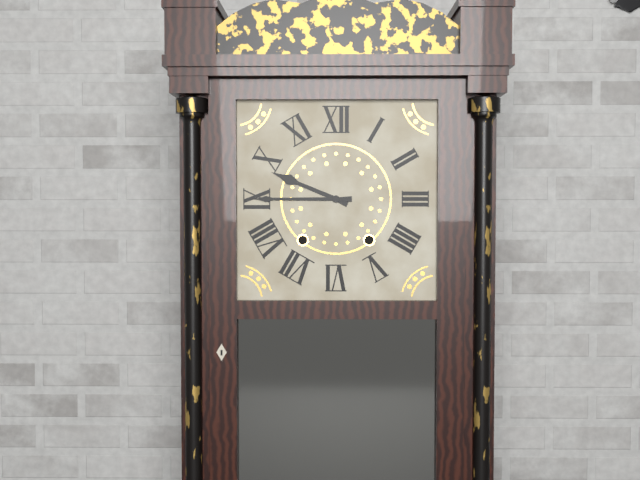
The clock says 9:45
